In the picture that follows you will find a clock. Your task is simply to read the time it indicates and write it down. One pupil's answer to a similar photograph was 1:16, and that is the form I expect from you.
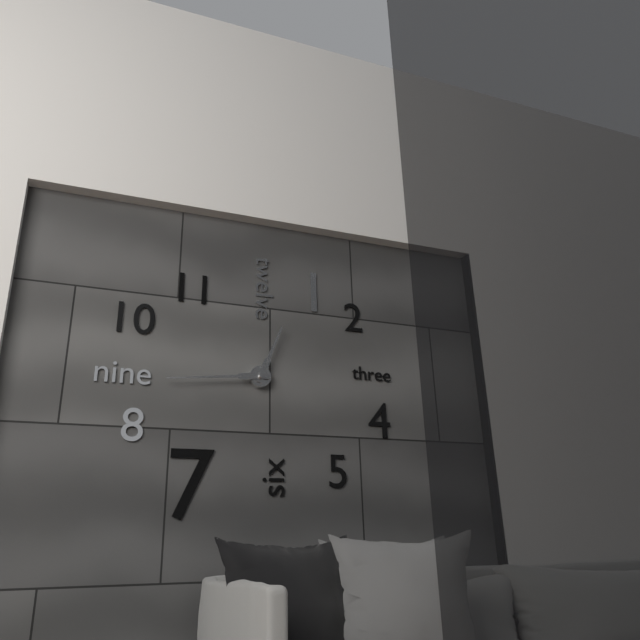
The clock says 12:44
